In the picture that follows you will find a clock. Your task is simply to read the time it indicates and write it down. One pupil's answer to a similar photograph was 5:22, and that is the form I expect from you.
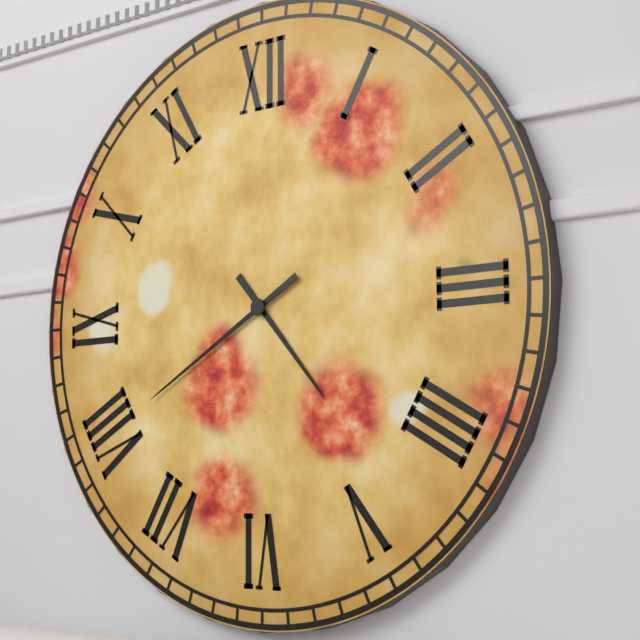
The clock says 4:40
